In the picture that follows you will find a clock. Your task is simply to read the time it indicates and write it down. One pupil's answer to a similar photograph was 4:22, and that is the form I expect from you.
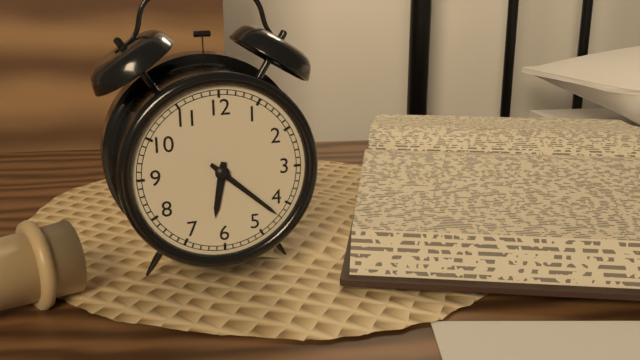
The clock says 6:22
